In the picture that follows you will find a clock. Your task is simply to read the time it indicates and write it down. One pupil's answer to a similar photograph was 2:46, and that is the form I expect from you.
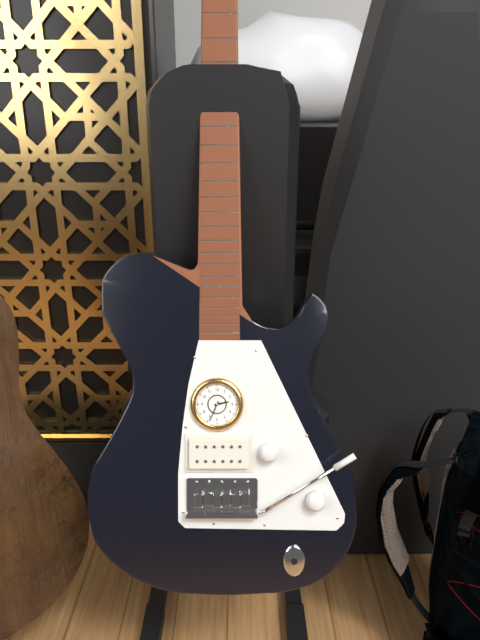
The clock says 2:34
